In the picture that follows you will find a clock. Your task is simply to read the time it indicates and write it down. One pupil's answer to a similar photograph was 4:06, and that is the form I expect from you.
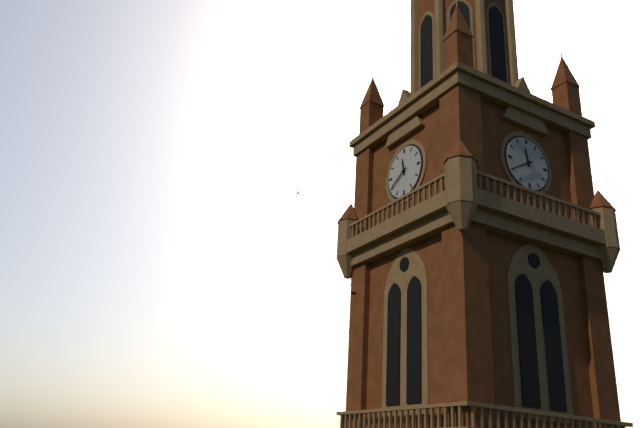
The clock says 11:40
